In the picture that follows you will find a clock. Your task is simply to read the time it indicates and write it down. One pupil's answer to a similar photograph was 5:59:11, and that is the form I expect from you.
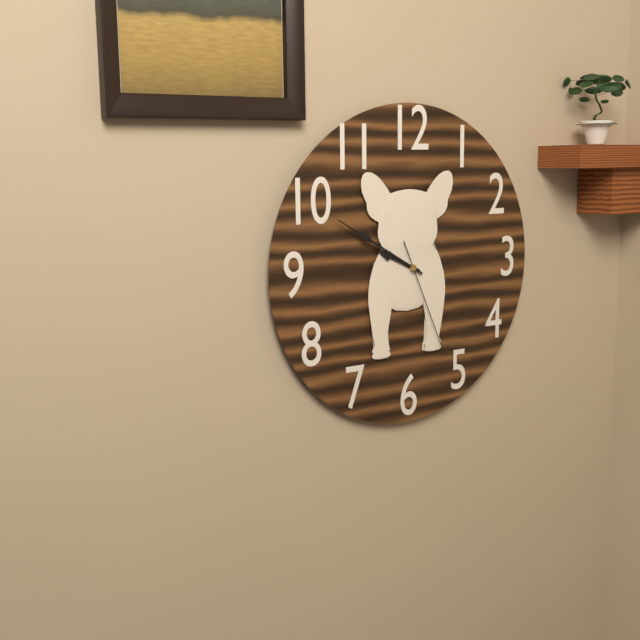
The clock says 9:50:26
